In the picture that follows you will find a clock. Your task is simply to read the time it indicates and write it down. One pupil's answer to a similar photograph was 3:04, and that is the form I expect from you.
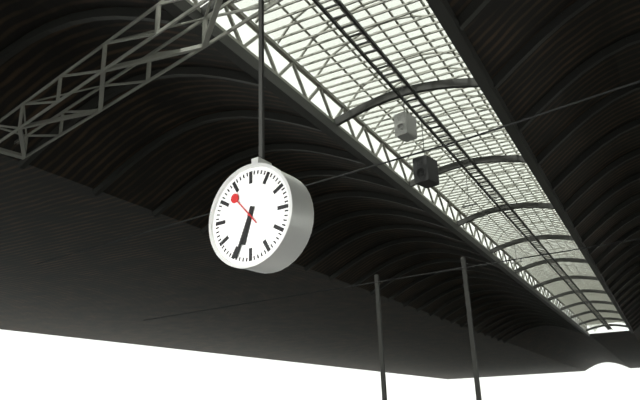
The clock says 6:34
